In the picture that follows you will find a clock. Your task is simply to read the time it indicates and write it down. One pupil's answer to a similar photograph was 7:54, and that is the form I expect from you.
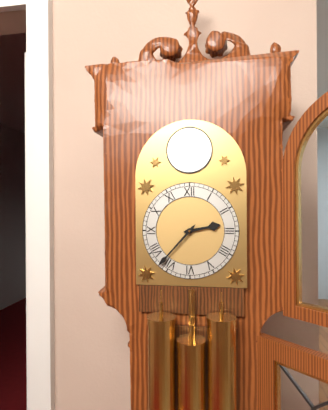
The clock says 2:37
